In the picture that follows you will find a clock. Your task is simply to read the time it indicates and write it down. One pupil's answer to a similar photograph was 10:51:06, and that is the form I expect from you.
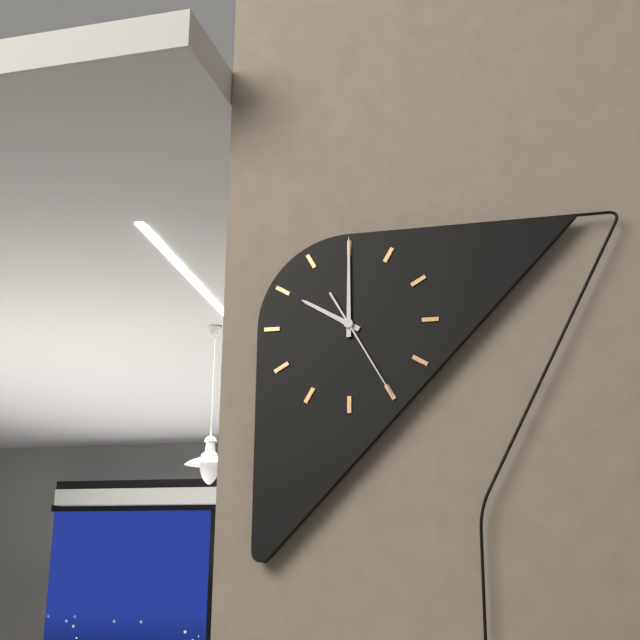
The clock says 10:00:25
